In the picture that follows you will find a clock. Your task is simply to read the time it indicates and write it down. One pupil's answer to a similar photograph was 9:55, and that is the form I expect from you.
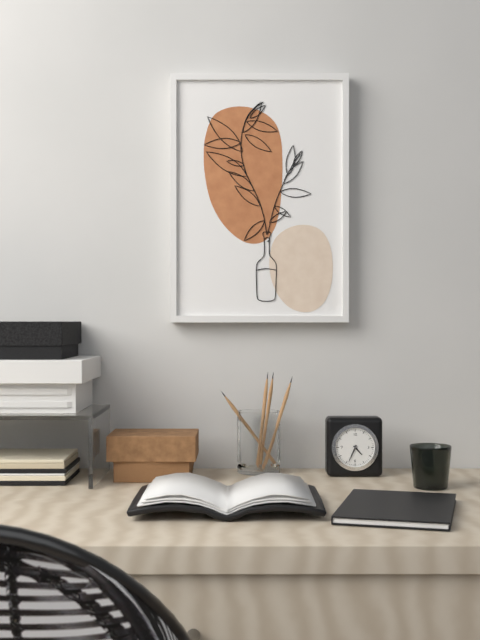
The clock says 4:34
